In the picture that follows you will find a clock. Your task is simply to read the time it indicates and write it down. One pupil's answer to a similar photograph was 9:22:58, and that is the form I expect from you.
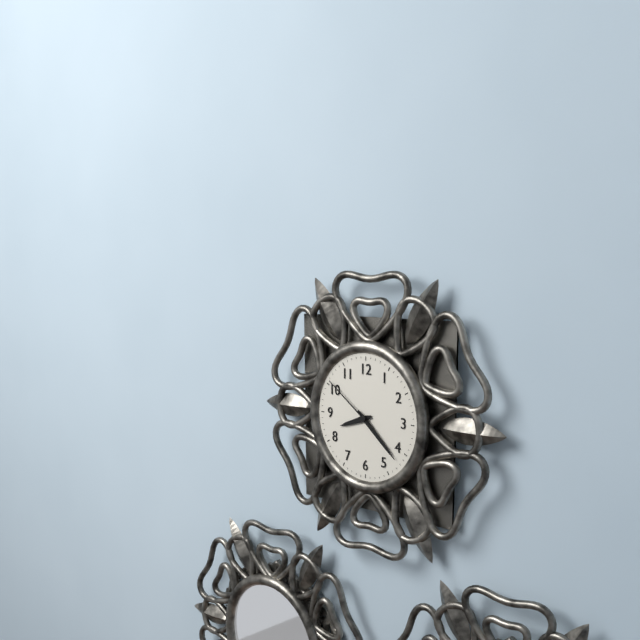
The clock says 8:22:51
